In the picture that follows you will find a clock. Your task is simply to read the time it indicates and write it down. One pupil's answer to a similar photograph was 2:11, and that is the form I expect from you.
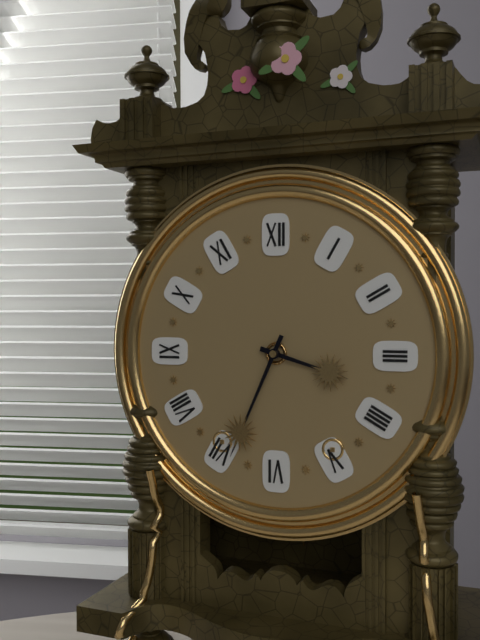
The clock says 3:34
